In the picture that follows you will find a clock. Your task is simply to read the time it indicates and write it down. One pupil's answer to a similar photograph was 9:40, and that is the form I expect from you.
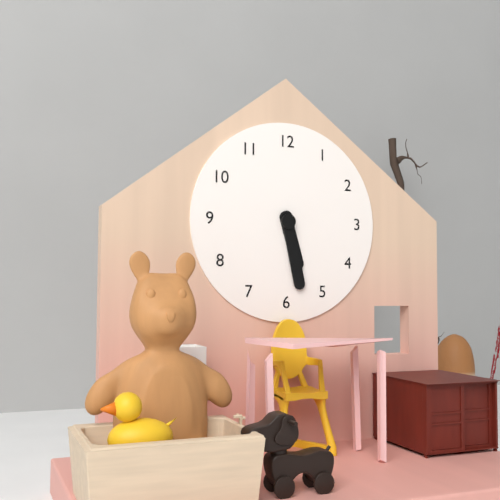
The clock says 5:28
